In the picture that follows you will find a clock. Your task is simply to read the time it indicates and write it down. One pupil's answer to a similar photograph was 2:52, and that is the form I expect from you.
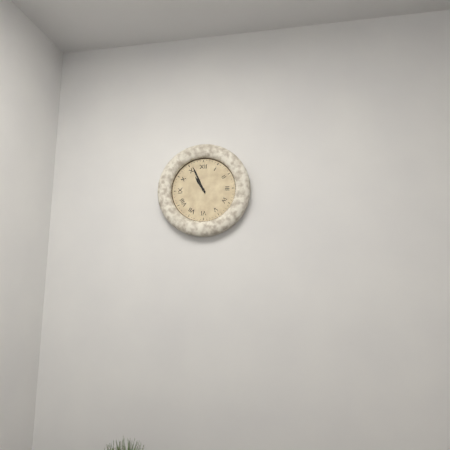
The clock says 10:56
